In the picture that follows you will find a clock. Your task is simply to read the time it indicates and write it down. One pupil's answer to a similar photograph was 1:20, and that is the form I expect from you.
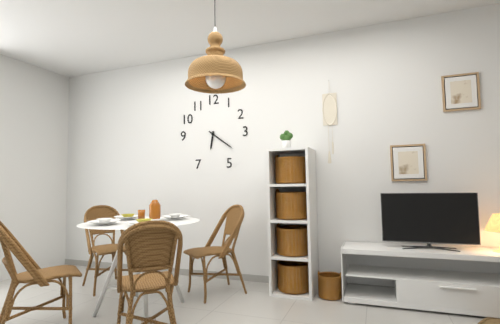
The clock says 6:21
